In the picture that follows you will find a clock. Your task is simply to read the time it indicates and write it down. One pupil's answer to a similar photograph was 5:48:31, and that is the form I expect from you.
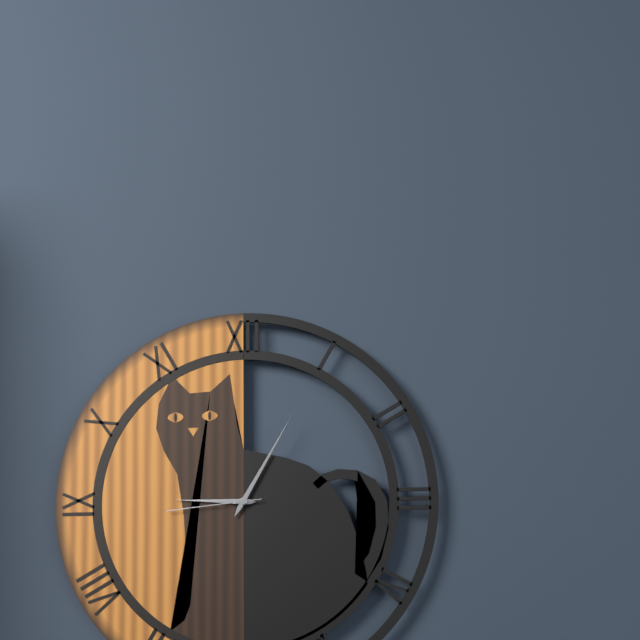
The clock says 9:05:44
